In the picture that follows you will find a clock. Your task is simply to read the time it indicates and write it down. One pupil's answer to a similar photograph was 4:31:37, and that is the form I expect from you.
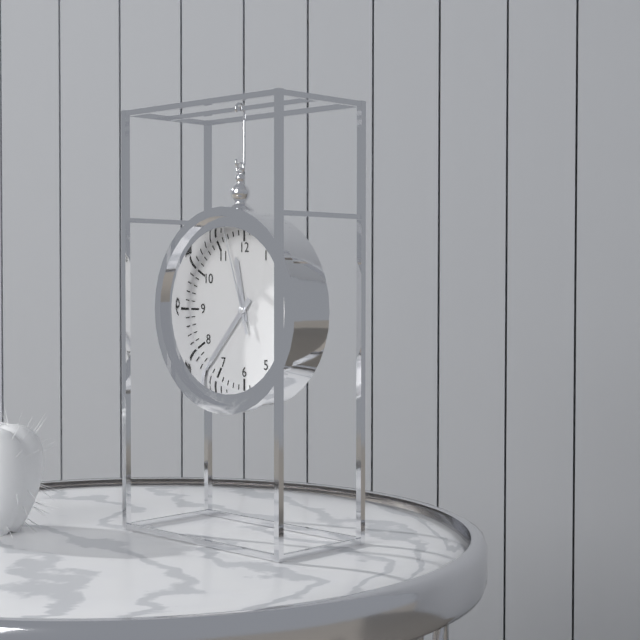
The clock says 11:37:57
